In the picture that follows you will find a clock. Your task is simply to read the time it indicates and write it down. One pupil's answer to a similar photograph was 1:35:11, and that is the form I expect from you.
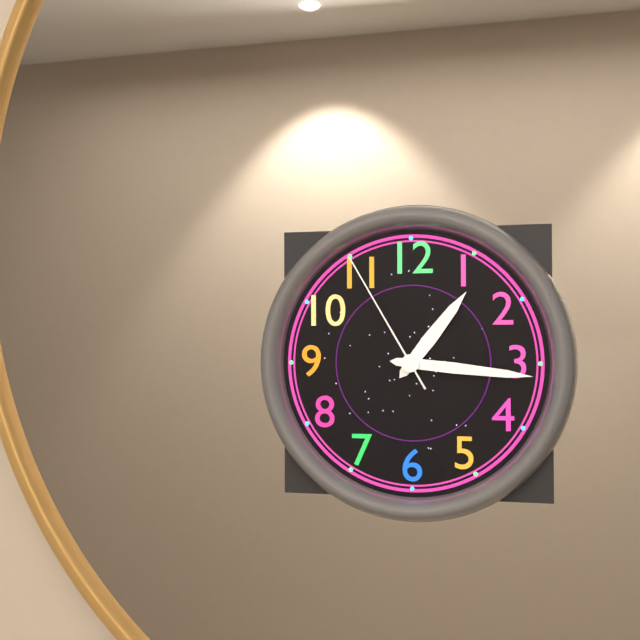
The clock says 1:16:55
